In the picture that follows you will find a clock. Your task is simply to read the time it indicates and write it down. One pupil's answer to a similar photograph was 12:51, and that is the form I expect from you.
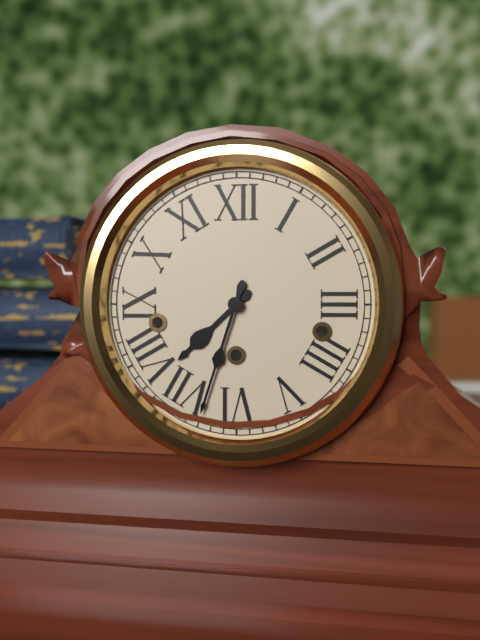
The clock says 7:33
